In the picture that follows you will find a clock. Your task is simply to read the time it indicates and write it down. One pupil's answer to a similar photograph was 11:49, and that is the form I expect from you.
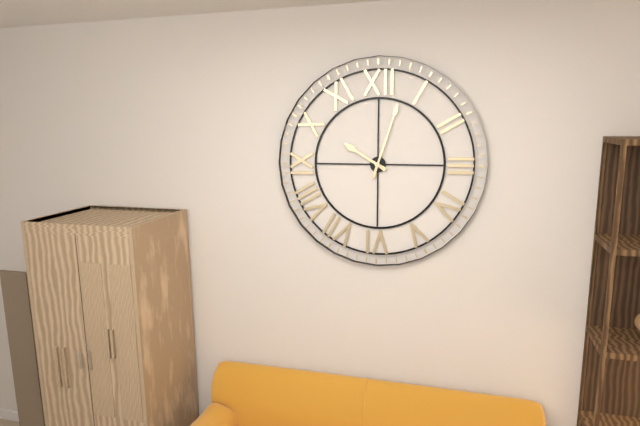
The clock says 10:03
